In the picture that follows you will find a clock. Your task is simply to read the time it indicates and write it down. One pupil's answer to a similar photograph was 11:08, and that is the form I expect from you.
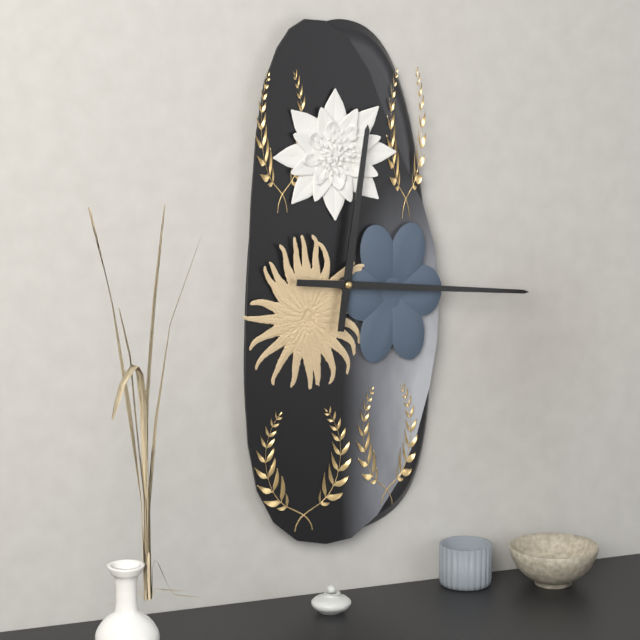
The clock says 12:16
